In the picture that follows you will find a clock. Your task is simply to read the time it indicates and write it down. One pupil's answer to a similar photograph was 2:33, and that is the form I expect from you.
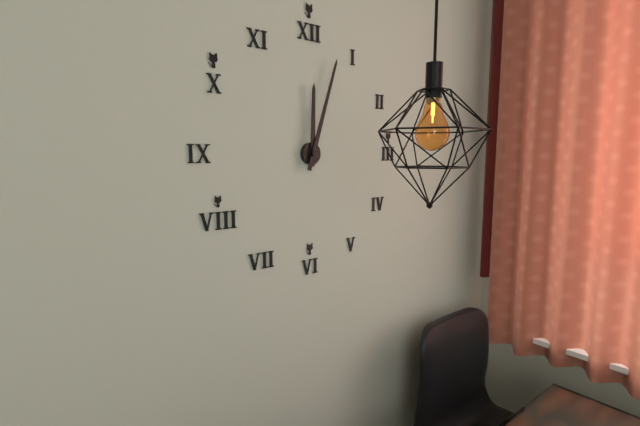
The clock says 12:03
